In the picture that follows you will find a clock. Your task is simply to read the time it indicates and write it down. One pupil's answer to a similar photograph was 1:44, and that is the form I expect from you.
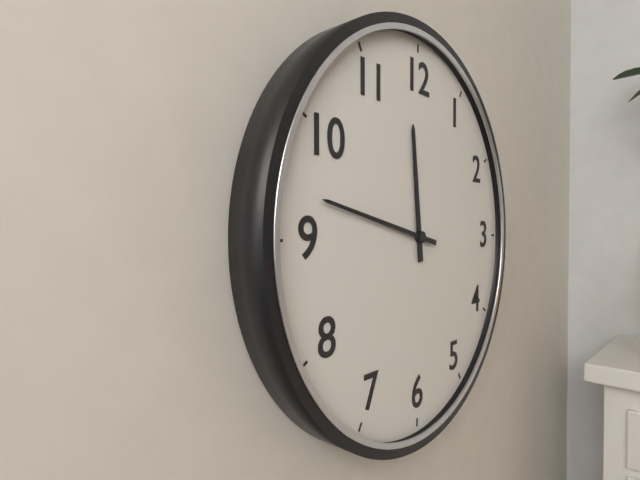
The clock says 11:47
